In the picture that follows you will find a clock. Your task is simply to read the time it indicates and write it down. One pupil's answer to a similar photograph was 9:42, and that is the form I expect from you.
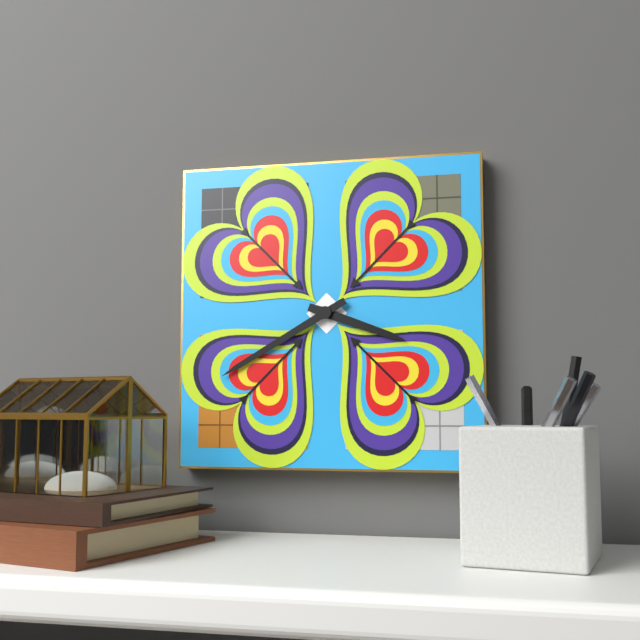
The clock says 3:40
